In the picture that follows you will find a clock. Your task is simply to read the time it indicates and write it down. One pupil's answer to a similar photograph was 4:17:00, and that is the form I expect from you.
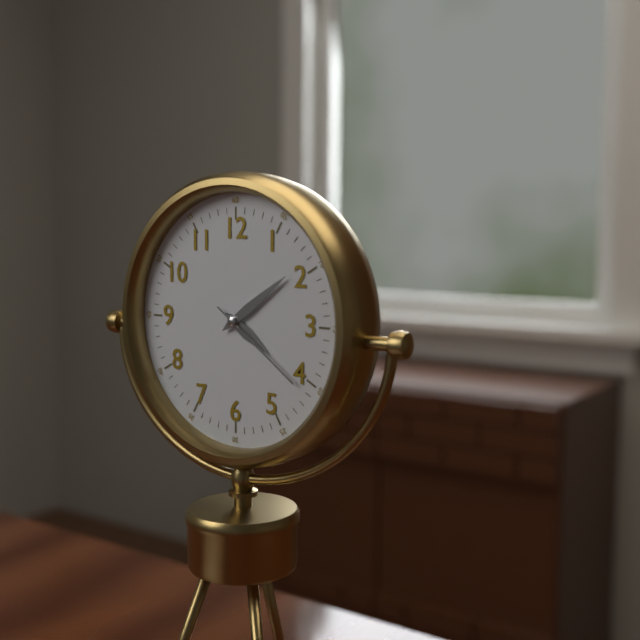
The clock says 4:09:21
